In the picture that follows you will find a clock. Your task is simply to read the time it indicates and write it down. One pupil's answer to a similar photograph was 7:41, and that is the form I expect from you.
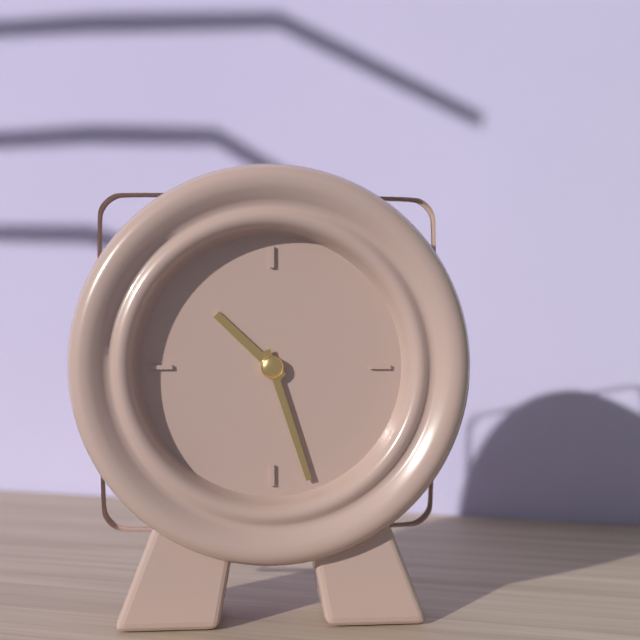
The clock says 10:27
